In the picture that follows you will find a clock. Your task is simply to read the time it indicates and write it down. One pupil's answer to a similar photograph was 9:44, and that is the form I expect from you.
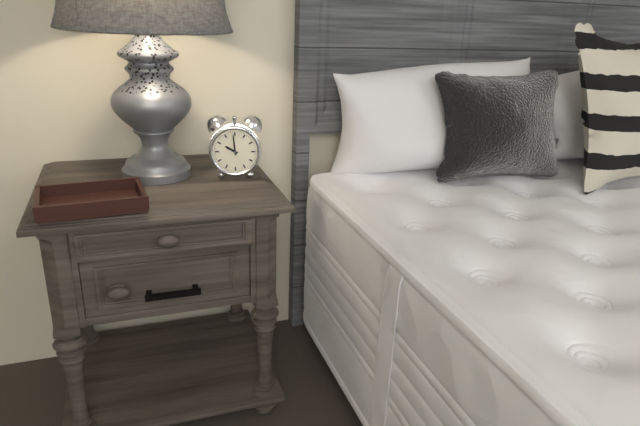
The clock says 9:59
